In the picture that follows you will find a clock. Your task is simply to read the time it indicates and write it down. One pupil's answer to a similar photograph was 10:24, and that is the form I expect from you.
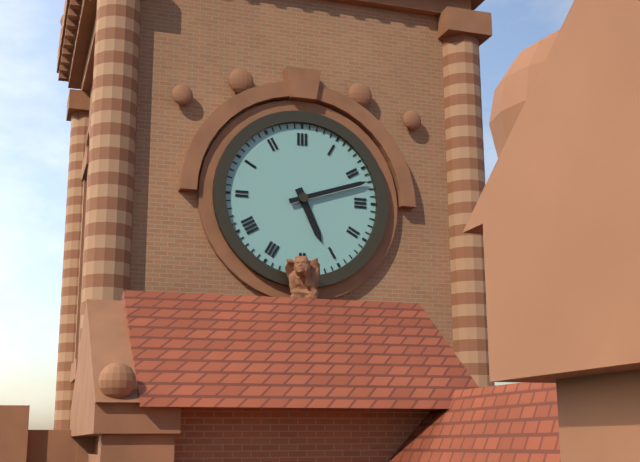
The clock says 5:12
